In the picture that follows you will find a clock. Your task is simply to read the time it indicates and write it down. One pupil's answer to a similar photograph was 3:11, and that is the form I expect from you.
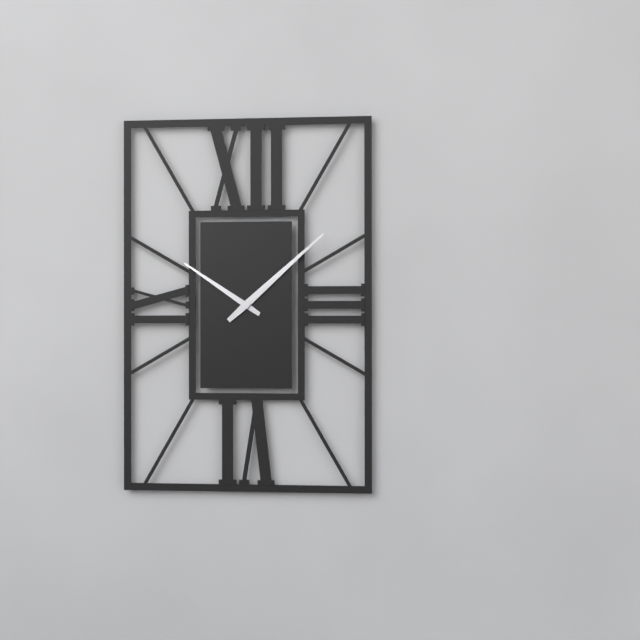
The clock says 10:08
